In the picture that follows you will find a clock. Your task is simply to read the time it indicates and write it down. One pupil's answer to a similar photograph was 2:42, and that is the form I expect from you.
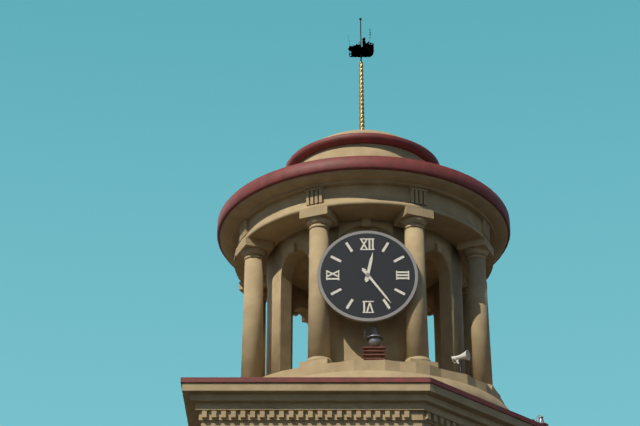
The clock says 12:24
